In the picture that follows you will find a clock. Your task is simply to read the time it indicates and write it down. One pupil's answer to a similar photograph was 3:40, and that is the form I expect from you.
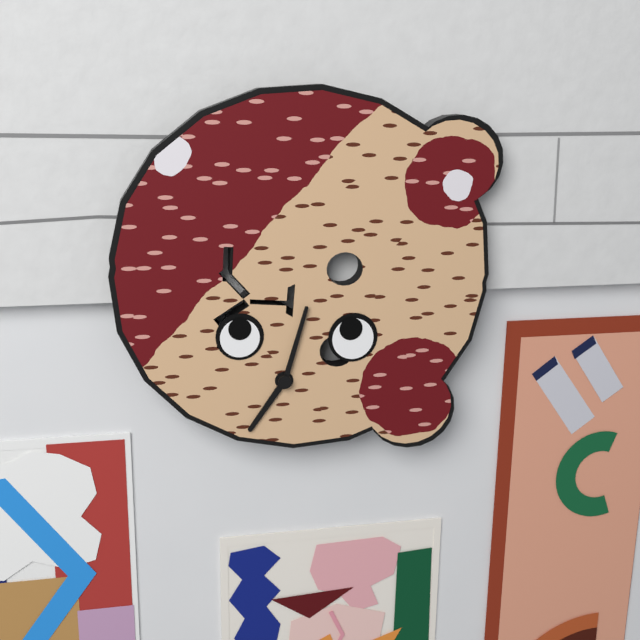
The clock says 7:02
